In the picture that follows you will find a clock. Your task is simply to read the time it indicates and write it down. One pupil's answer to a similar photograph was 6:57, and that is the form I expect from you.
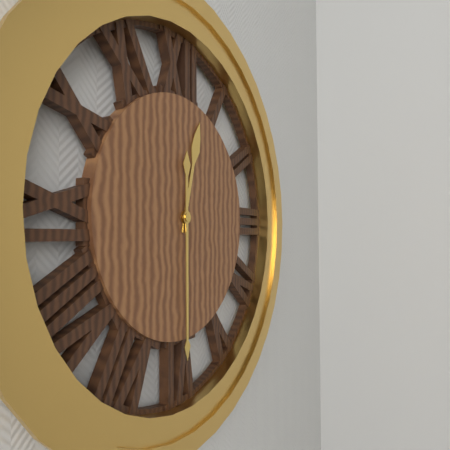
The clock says 12:30
